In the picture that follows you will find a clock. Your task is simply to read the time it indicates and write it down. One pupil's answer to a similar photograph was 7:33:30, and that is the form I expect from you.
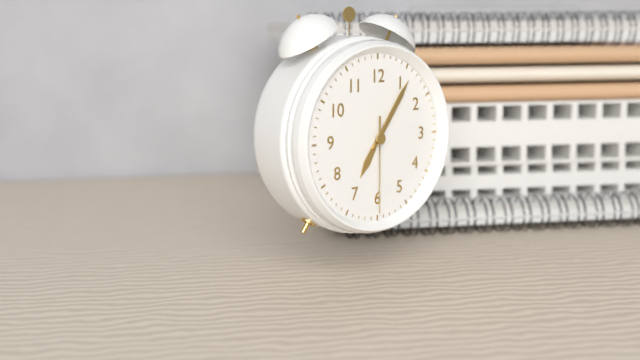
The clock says 7:06:30
